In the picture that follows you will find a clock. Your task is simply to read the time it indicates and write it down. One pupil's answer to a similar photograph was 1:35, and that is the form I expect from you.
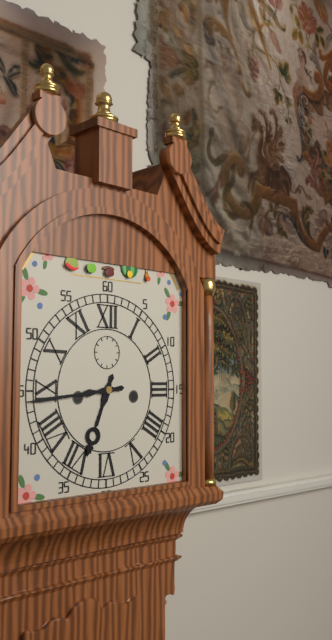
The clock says 6:44
